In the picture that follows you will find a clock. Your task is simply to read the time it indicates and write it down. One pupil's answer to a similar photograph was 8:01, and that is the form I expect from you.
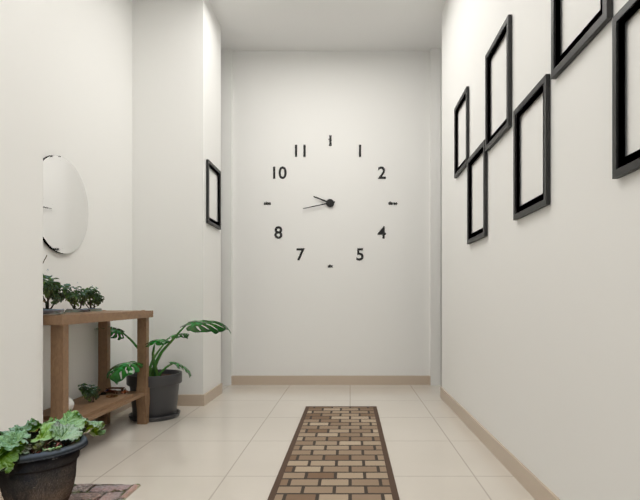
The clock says 9:43
